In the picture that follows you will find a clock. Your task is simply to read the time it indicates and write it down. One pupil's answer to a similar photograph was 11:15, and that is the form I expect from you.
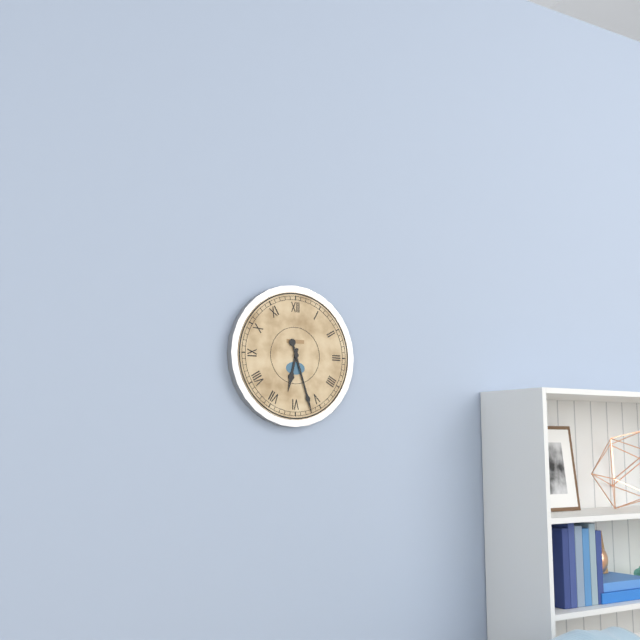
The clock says 6:27
